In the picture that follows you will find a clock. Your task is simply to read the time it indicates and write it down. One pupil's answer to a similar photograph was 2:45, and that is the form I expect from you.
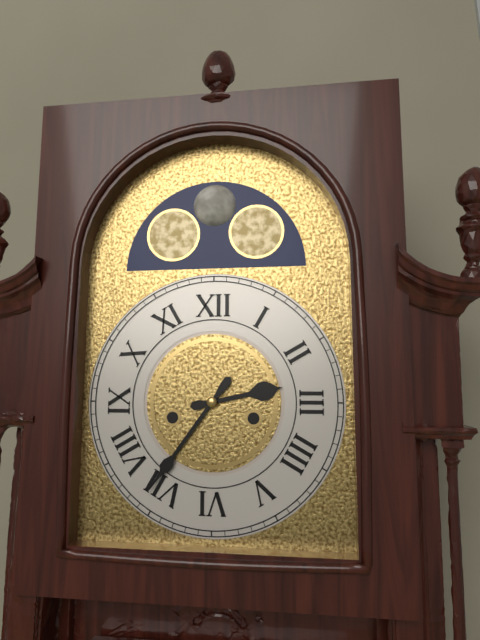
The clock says 2:36
